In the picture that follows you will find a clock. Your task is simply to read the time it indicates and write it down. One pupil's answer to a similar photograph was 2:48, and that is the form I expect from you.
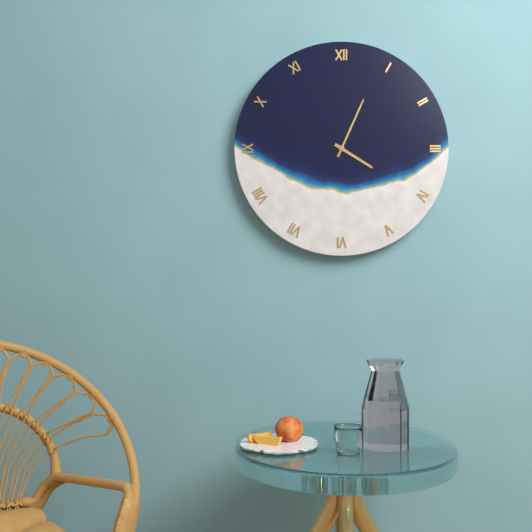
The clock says 4:04
